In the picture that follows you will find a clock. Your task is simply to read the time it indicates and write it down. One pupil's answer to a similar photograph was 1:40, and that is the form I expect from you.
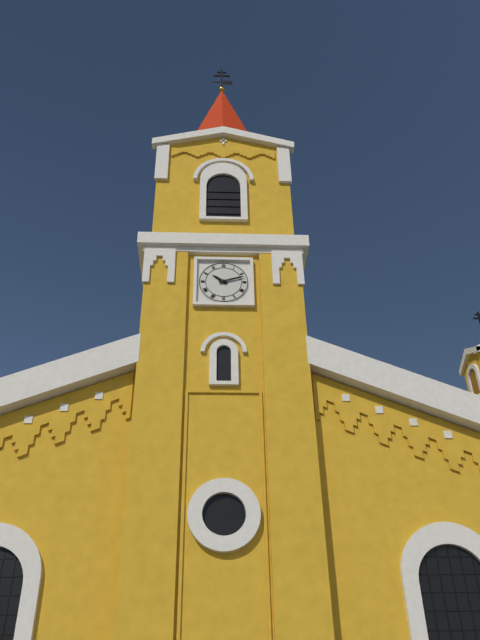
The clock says 10:12
